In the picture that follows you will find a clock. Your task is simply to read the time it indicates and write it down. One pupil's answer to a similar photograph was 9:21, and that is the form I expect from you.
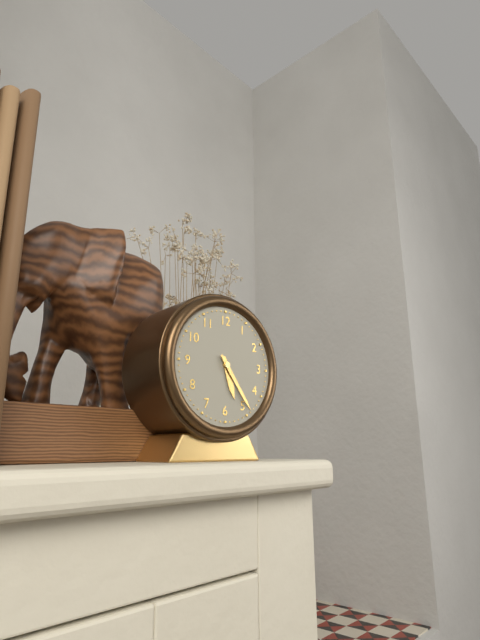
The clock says 5:24
